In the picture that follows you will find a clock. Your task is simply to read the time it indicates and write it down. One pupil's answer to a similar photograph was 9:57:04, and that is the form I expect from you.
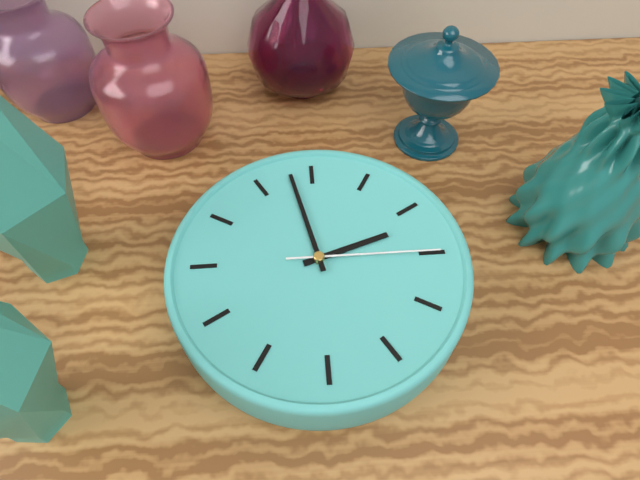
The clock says 7:23:40
